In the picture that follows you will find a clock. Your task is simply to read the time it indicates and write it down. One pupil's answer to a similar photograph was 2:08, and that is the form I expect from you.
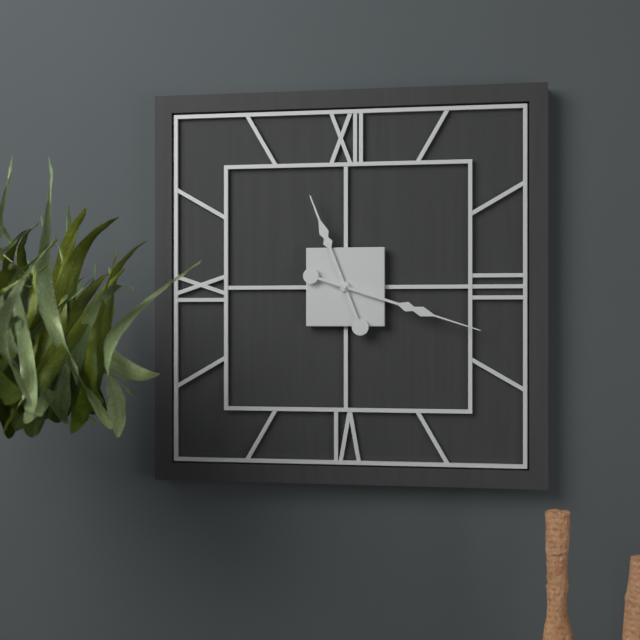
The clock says 11:18
